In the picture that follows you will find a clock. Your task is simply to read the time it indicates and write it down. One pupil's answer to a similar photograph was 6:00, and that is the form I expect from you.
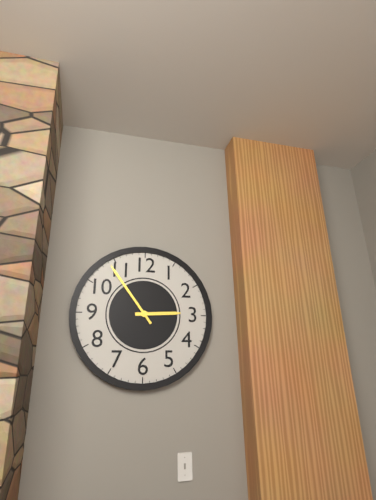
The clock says 2:54
